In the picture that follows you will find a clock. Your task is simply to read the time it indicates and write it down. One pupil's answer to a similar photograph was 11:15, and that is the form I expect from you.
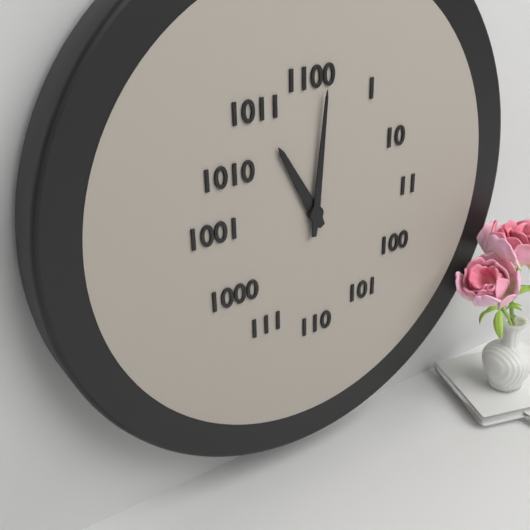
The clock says 11:01
